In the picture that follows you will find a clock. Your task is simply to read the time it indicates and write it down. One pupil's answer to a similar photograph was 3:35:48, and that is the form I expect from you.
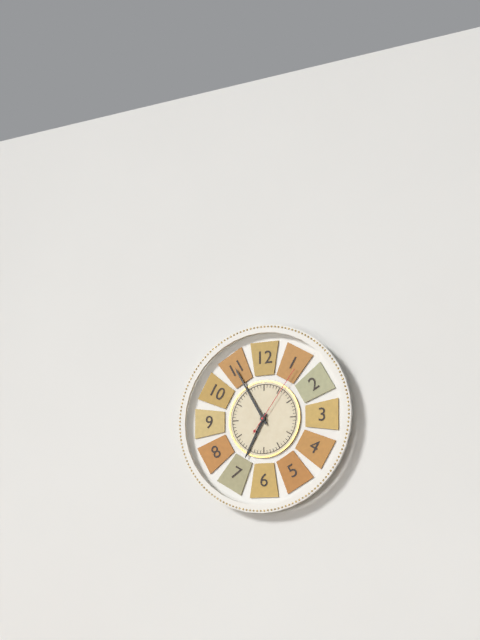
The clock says 6:55:06
